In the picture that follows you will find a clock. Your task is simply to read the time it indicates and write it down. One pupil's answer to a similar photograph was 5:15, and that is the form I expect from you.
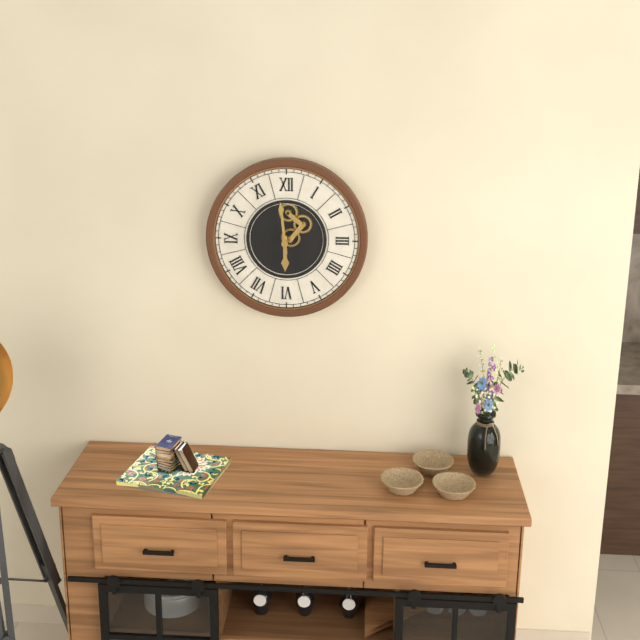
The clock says 5:59
